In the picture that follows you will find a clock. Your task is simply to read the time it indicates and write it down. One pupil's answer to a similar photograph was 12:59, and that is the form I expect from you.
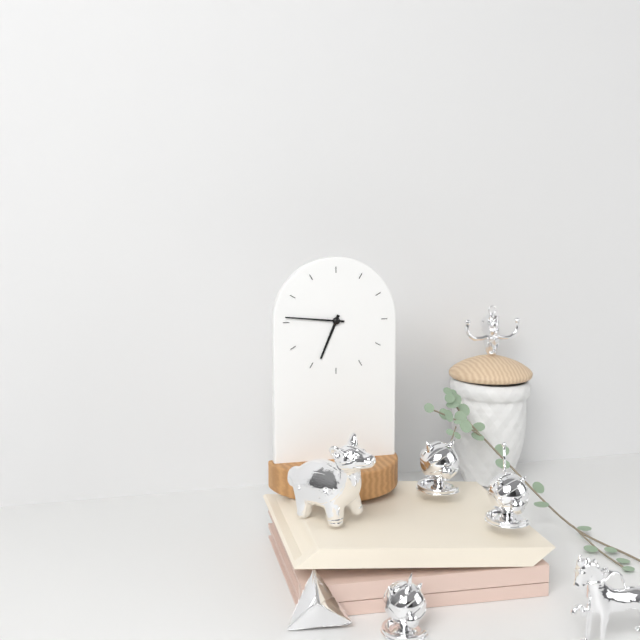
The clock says 6:46
